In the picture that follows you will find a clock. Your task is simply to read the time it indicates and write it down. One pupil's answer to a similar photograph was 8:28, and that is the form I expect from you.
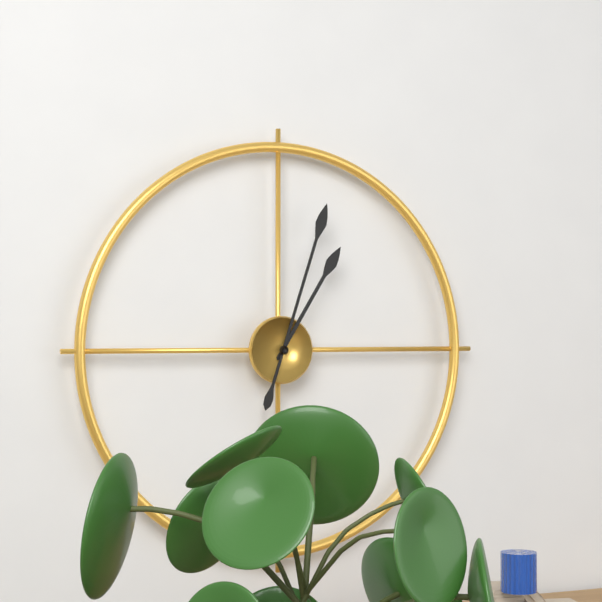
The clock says 1:03
